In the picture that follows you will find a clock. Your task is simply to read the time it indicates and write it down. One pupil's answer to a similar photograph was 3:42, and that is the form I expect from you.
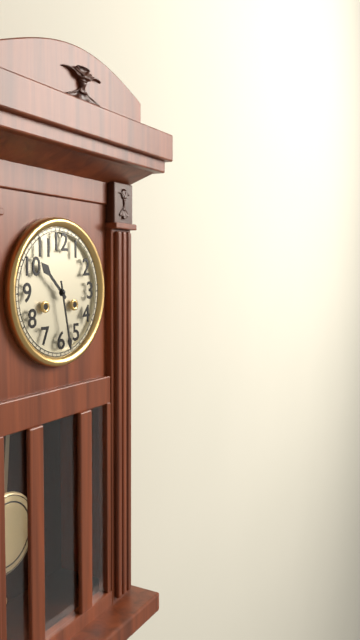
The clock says 10:28
